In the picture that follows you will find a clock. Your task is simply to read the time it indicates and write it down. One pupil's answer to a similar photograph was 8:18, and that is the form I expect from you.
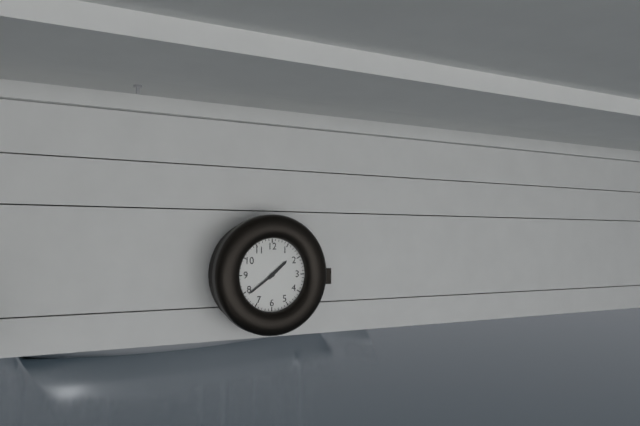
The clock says 1:39
